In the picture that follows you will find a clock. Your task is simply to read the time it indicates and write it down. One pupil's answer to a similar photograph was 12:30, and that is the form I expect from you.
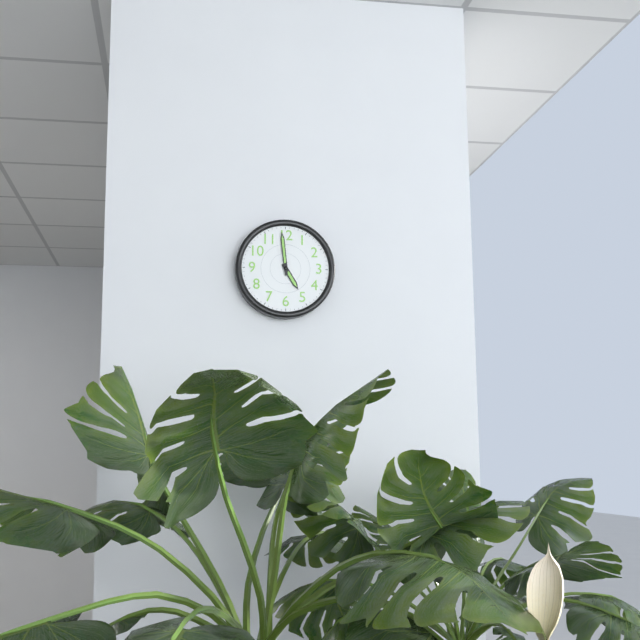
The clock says 4:59
